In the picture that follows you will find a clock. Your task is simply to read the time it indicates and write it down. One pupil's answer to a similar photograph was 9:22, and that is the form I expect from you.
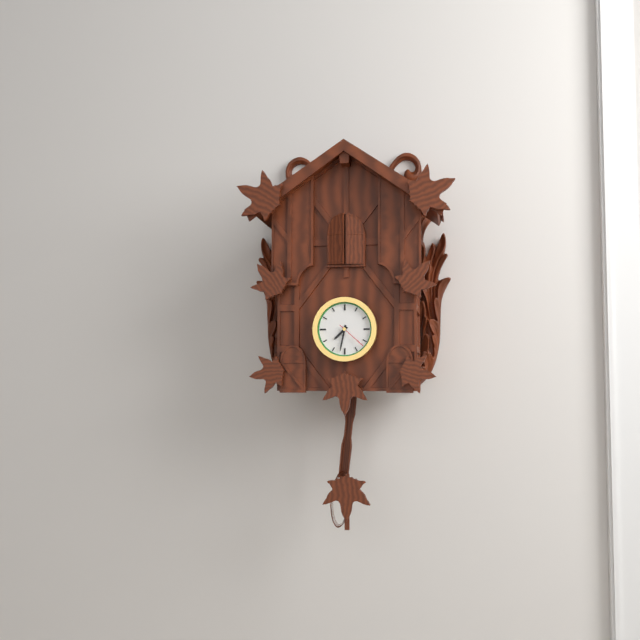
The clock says 7:32
